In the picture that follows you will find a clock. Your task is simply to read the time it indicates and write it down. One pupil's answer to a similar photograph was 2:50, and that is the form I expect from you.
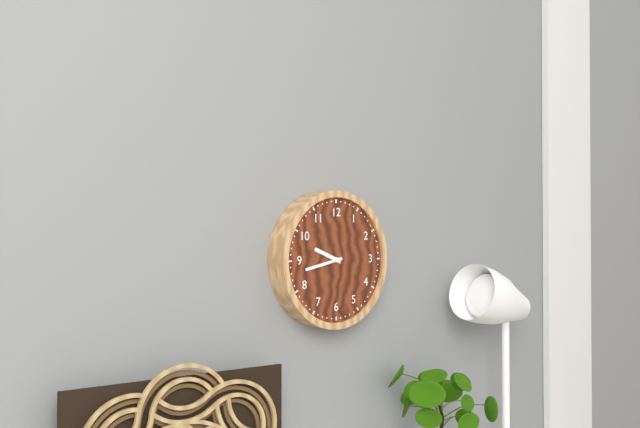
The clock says 9:43
